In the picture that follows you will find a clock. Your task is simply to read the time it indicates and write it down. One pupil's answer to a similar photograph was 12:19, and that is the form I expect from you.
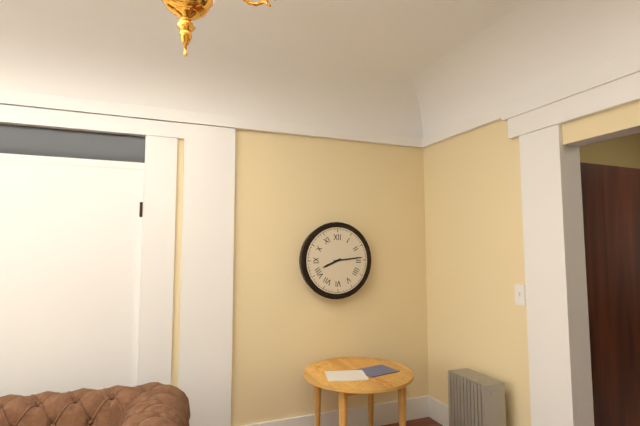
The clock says 8:14
